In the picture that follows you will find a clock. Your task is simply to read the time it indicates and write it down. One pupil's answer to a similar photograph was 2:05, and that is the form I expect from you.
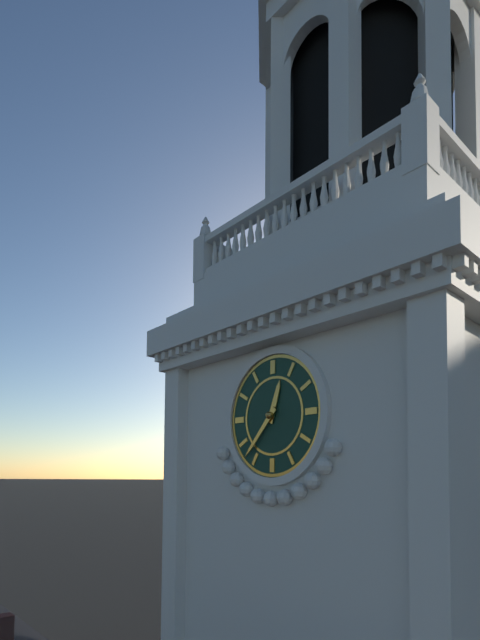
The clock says 12:37
